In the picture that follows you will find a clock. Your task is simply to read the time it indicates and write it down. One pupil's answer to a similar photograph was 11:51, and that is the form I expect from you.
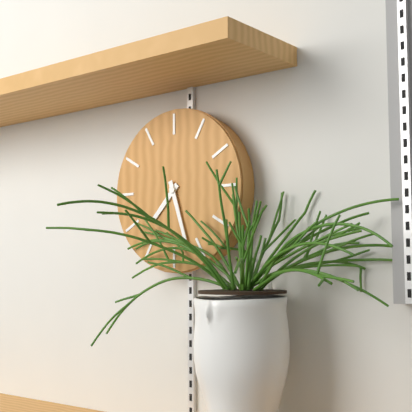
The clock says 7:27
